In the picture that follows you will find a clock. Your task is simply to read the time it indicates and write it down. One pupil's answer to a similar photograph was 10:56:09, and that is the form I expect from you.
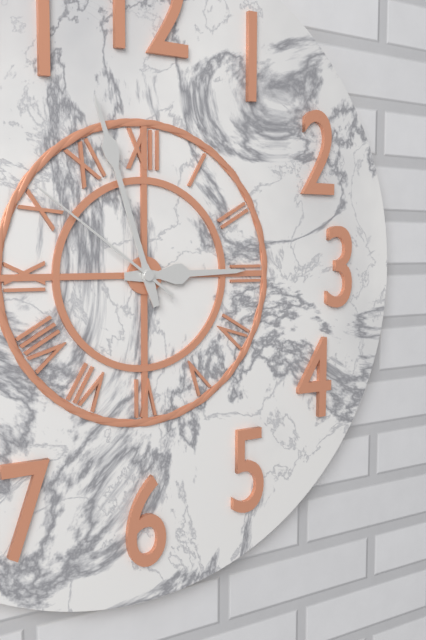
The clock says 2:57:51
